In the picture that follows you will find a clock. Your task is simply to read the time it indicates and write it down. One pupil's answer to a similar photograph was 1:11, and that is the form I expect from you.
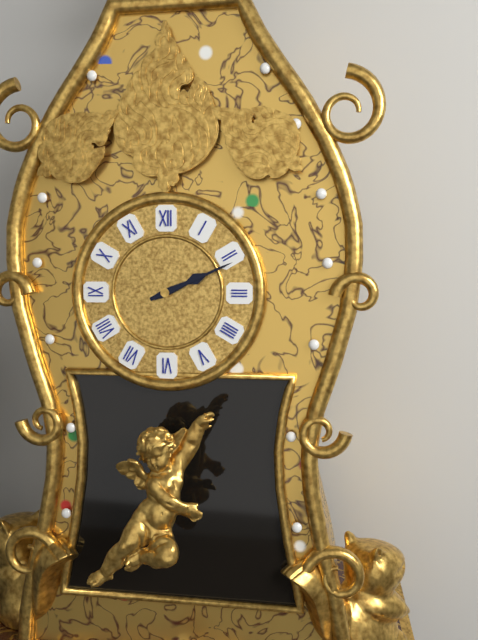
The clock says 2:11
